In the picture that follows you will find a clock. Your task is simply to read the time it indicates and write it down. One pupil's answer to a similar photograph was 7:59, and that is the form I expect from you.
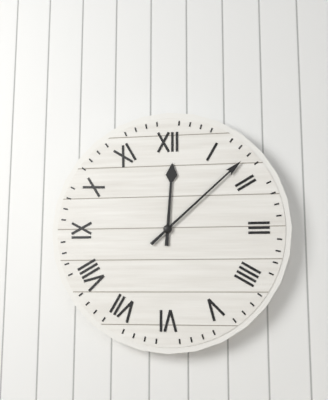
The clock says 12:08
